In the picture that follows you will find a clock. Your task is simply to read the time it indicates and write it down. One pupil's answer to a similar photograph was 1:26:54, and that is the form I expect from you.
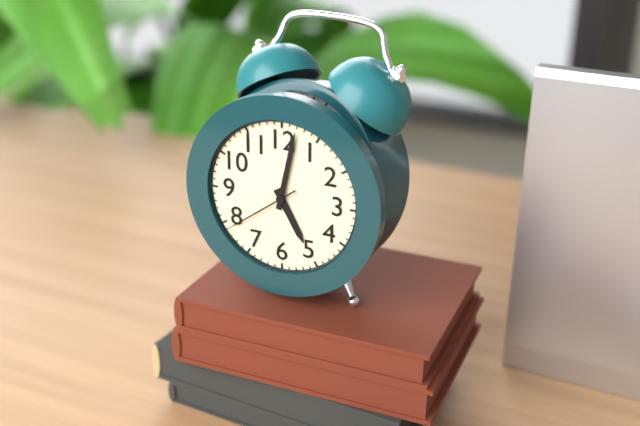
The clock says 5:02:39
